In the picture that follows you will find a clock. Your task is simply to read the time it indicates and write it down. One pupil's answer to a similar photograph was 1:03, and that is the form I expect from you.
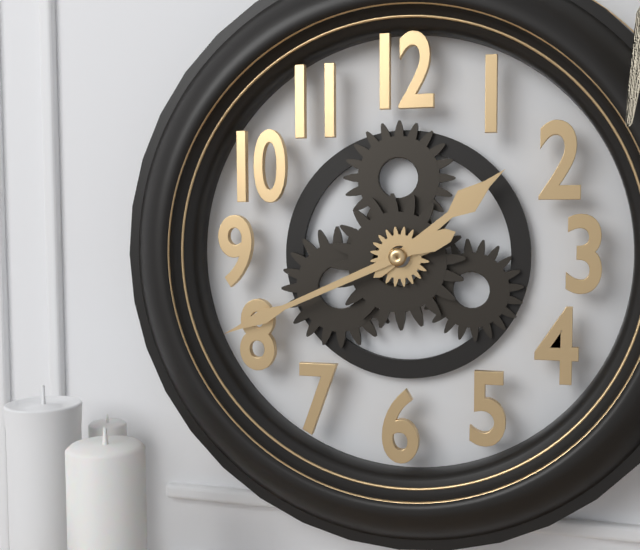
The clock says 1:41
